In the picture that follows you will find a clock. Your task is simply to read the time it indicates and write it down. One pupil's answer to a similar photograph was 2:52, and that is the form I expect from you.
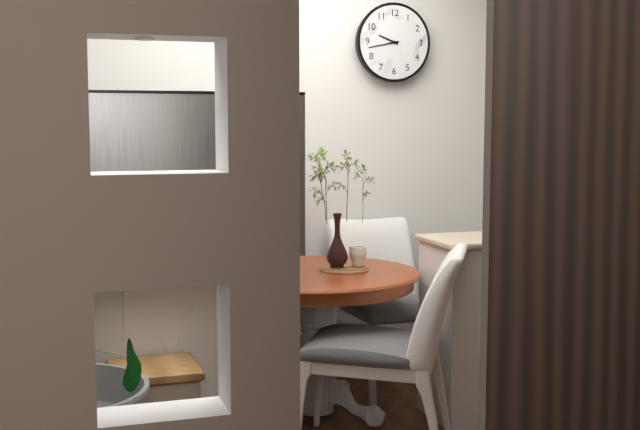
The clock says 9:43
